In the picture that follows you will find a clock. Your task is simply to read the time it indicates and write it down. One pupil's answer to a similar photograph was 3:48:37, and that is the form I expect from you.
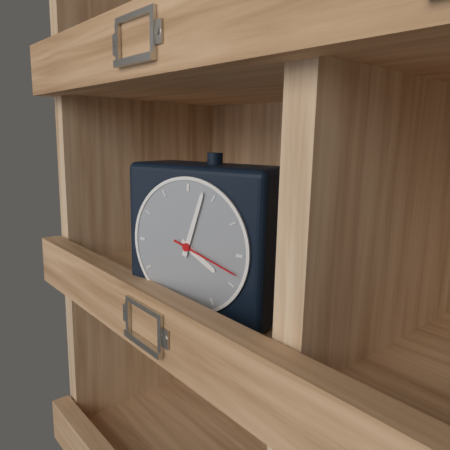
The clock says 4:03:18
